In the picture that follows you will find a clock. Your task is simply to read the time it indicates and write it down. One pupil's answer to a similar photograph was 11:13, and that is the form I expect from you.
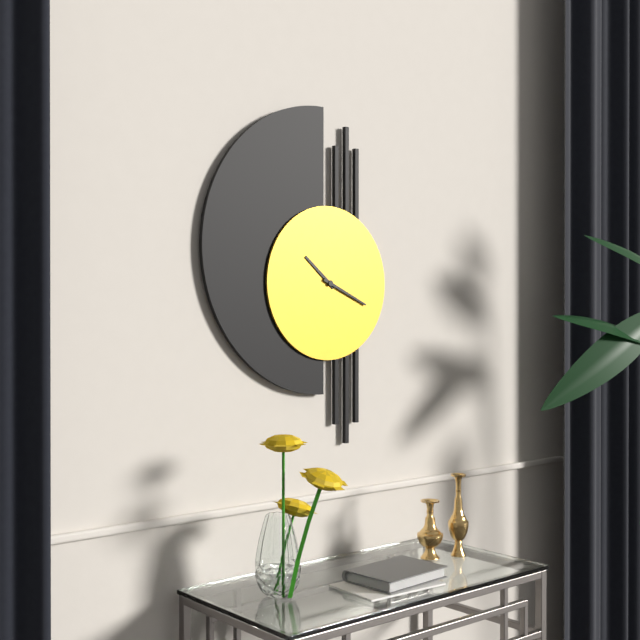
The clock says 10:19
